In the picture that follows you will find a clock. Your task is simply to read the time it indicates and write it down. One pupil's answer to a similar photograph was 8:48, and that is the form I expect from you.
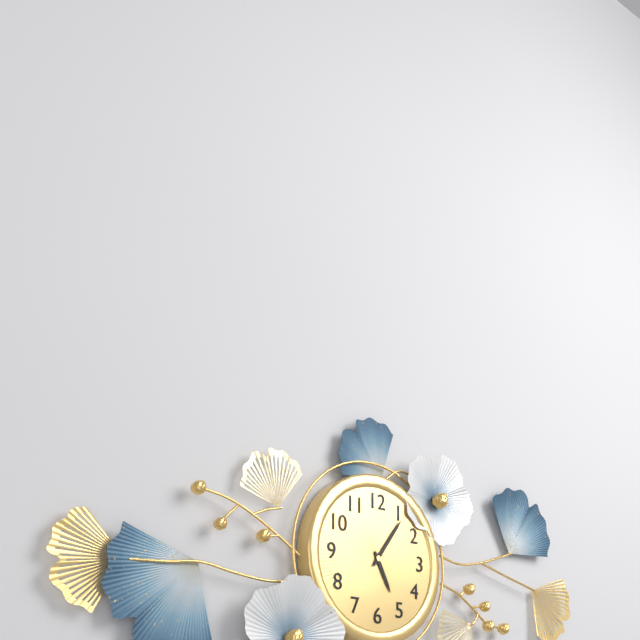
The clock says 5:06
